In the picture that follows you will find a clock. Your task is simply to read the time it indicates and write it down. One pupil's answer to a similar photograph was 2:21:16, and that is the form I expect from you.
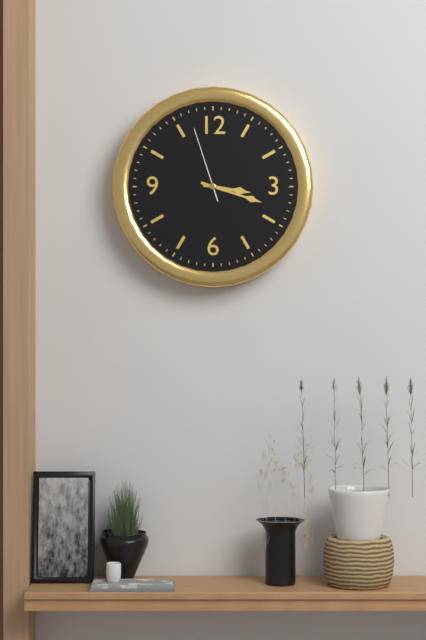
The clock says 3:18:57
